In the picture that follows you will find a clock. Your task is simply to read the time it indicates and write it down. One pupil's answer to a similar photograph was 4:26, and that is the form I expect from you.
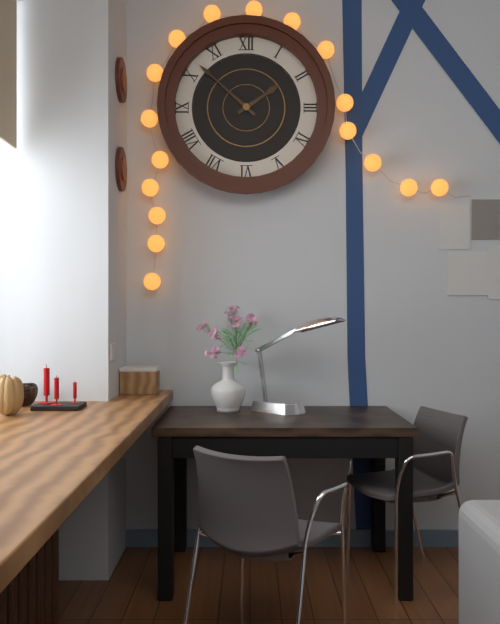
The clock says 1:52
